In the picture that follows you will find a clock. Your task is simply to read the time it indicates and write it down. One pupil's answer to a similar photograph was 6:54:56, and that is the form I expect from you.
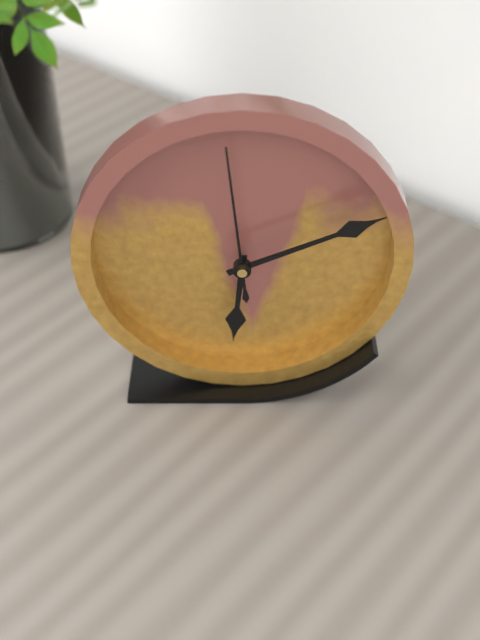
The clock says 6:11:59
